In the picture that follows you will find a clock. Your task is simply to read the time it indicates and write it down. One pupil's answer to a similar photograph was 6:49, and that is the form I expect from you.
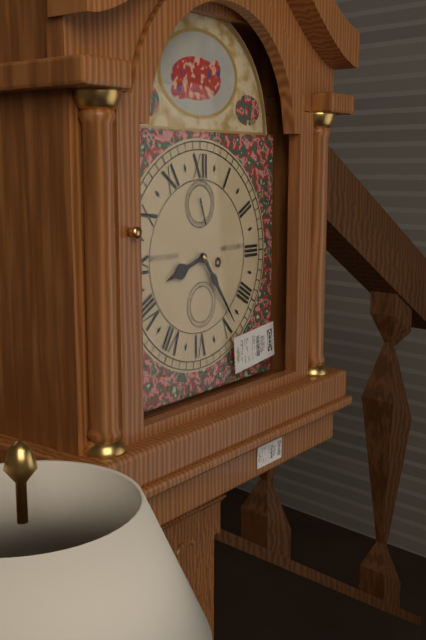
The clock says 8:24
